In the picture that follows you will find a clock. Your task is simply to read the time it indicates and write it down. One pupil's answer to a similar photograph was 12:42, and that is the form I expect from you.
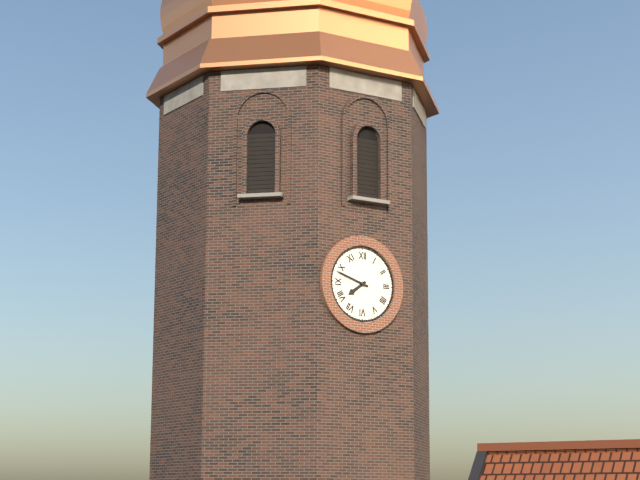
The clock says 7:48
